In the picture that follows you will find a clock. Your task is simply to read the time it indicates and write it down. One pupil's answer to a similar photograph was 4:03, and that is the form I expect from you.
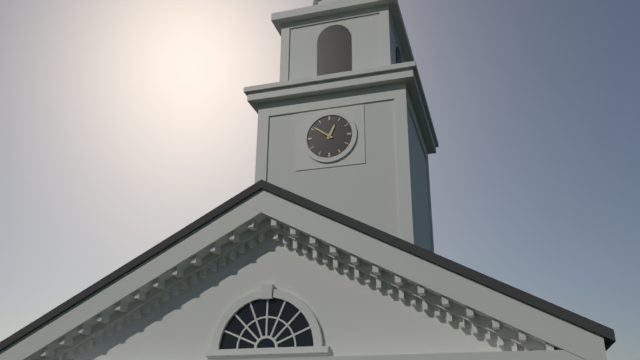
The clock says 12:51
